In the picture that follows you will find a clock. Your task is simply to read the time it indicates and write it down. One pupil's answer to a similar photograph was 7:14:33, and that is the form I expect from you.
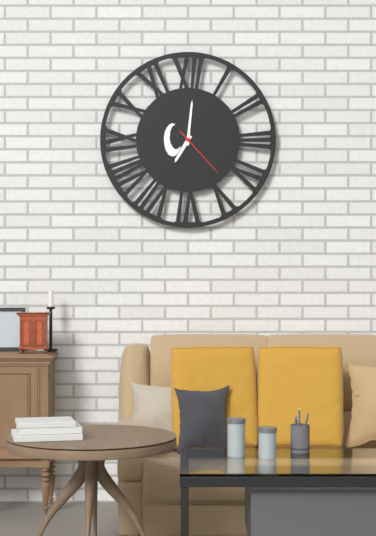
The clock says 7:01:23
